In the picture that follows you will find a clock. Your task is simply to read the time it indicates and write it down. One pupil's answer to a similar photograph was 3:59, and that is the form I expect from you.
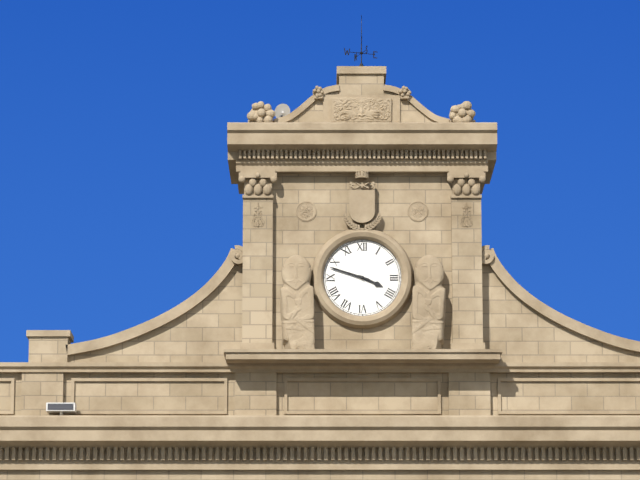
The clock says 3:48
